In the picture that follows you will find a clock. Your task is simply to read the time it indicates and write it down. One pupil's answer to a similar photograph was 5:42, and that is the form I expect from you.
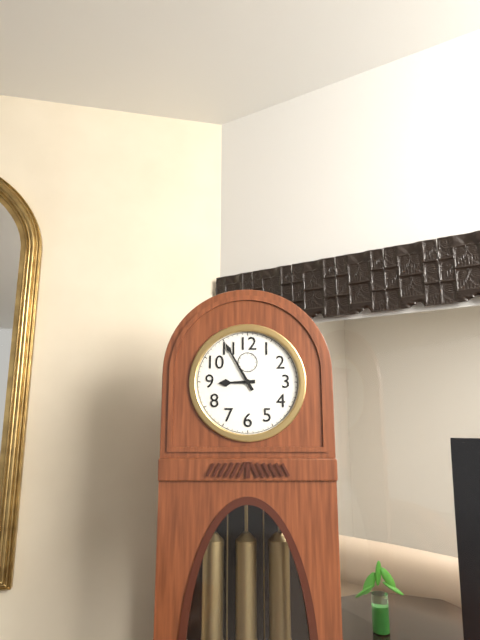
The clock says 8:55
